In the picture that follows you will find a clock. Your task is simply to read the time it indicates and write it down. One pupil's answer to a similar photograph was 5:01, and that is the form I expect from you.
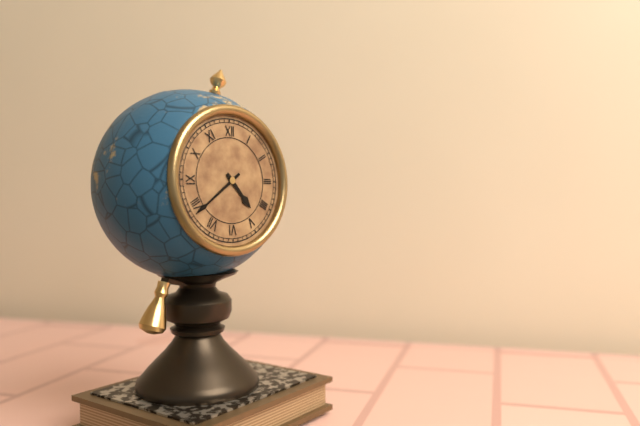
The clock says 4:39
